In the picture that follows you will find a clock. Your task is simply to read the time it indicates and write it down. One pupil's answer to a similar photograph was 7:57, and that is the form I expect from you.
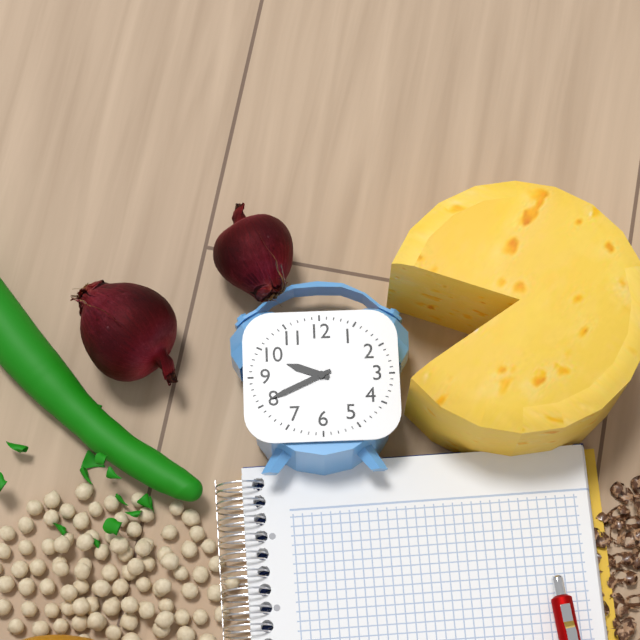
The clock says 9:41
